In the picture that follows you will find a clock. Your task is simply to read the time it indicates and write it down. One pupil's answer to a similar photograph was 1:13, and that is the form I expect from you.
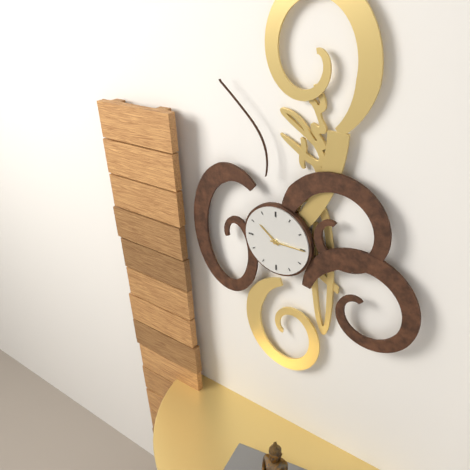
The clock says 10:15
